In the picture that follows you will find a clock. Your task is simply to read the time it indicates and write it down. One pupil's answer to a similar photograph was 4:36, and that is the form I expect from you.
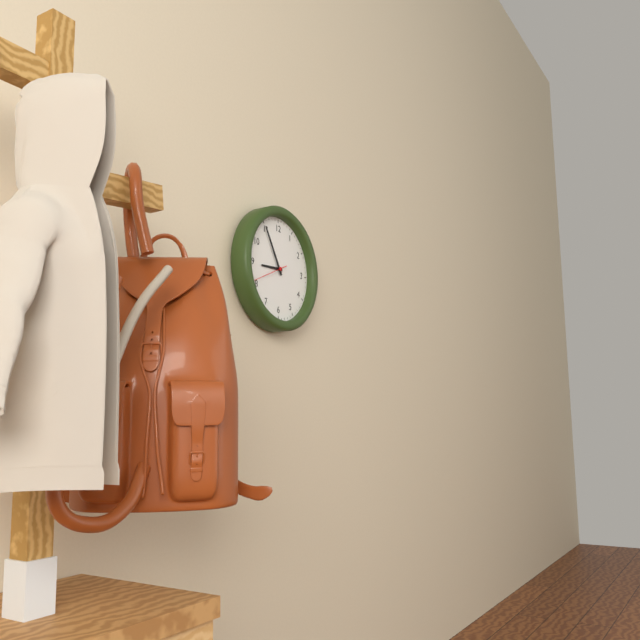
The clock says 8:55
